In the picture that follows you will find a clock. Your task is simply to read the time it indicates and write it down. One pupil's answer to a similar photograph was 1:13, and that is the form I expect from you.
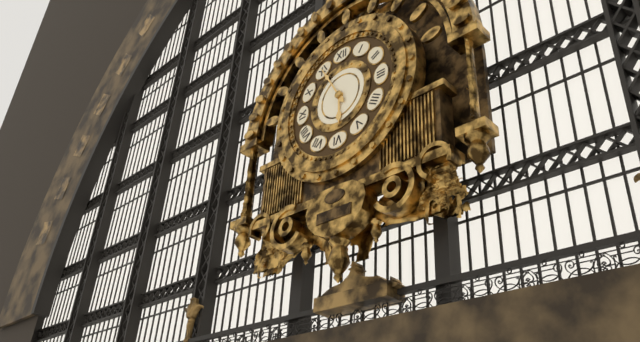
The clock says 5:55
